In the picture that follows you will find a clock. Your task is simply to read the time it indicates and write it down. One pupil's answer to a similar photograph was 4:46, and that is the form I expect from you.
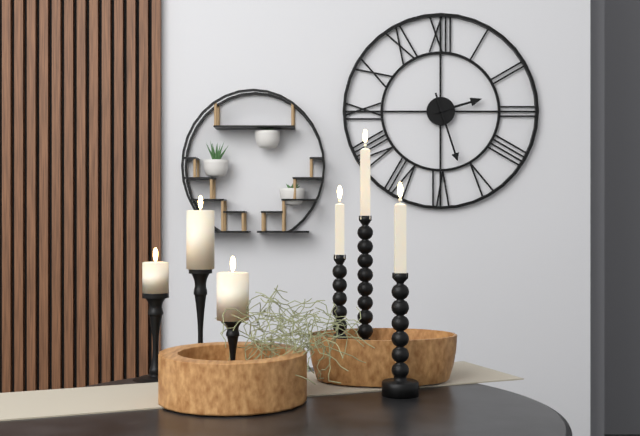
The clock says 2:27
